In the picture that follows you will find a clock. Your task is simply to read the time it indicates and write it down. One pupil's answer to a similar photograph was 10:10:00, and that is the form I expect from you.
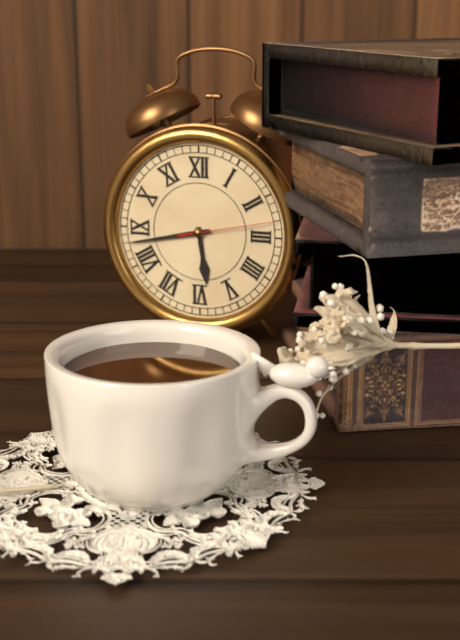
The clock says 5:43:13
